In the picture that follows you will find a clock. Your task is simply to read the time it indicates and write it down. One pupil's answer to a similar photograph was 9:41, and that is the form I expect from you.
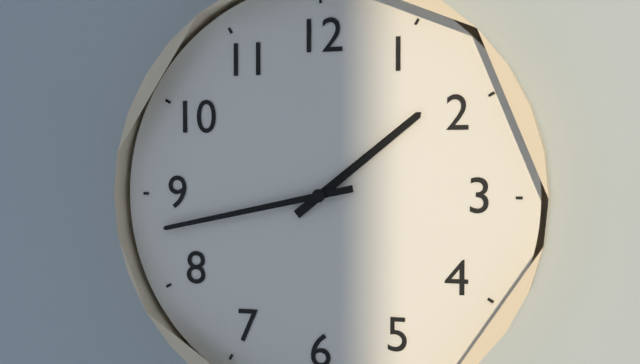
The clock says 1:43
